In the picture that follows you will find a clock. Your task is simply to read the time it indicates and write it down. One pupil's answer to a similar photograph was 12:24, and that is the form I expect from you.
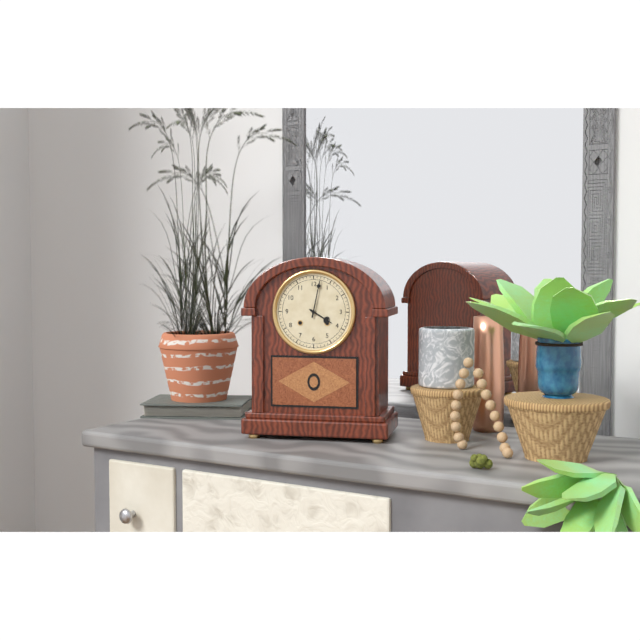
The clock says 4:02
